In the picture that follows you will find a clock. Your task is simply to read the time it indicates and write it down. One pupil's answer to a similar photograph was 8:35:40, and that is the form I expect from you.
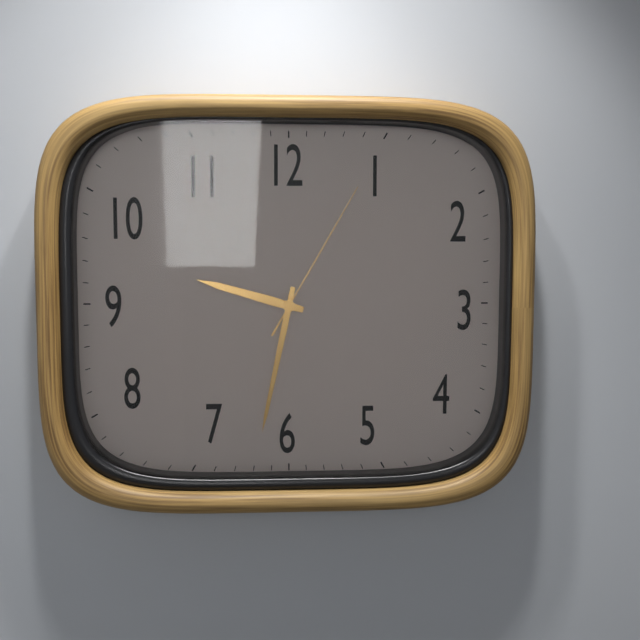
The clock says 9:32:05
